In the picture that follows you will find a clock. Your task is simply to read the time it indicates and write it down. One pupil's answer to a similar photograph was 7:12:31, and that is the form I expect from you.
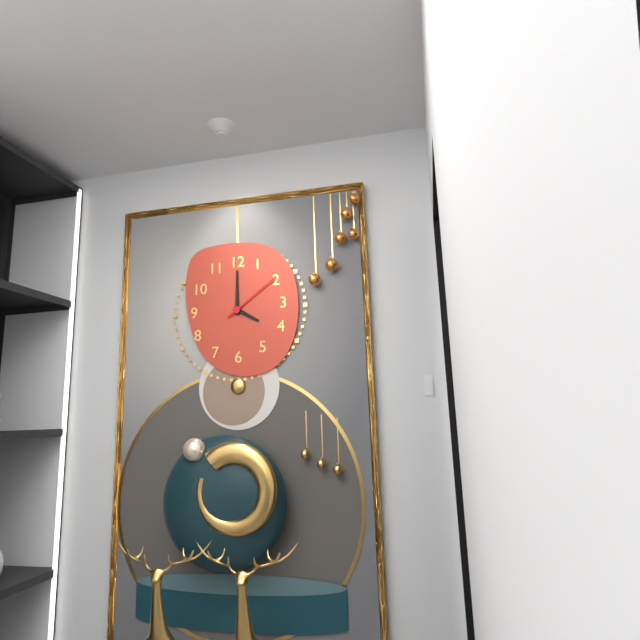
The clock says 4:00:09
